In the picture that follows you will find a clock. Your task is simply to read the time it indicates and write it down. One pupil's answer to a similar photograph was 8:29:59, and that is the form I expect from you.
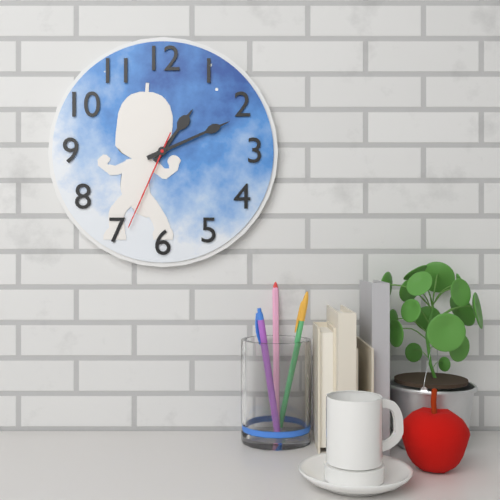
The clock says 1:11:34
